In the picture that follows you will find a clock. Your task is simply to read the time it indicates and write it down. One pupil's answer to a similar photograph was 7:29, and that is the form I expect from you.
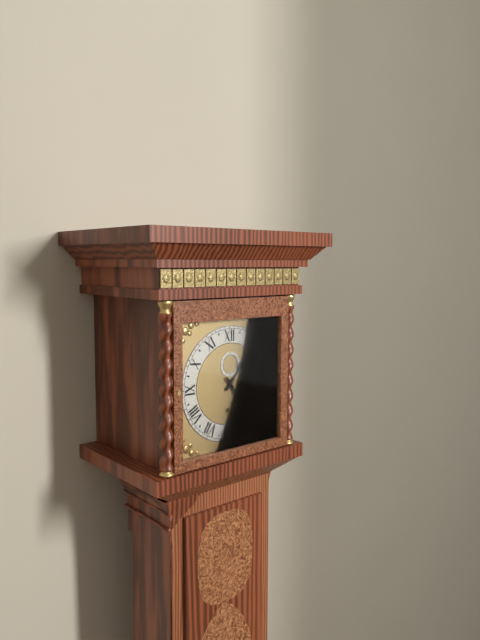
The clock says 1:24
